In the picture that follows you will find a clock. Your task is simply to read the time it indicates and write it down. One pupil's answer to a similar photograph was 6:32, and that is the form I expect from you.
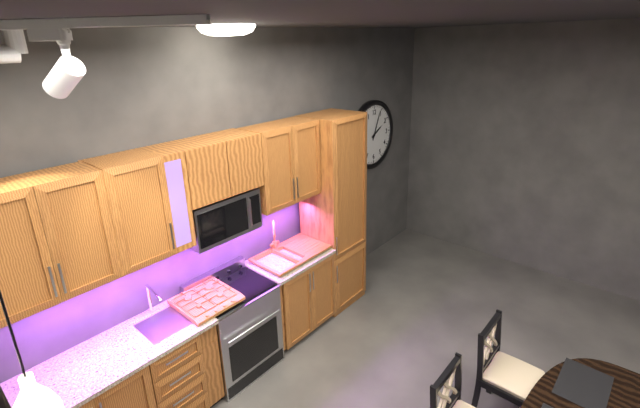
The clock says 2:04
